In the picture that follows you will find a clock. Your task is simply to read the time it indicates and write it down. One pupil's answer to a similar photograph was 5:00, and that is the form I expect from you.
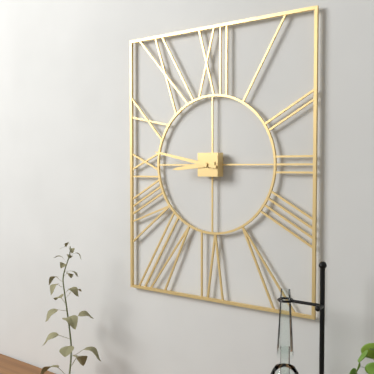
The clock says 8:47
